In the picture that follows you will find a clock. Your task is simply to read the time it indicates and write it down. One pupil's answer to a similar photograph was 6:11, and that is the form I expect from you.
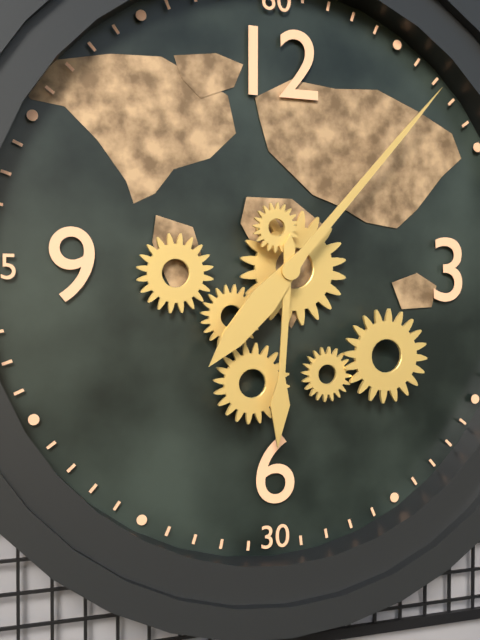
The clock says 6:07
